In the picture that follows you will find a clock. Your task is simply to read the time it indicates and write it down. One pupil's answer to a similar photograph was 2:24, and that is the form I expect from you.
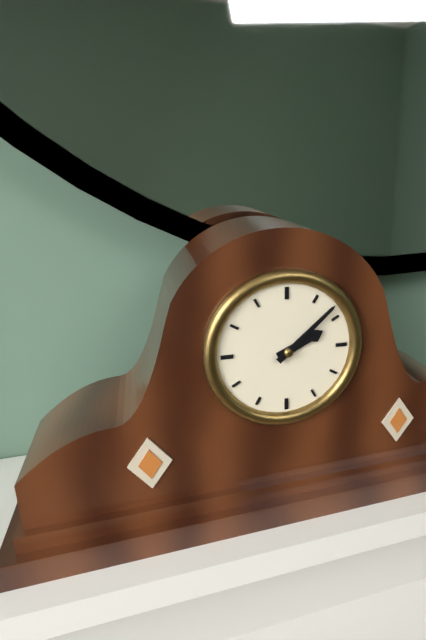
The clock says 2:08
